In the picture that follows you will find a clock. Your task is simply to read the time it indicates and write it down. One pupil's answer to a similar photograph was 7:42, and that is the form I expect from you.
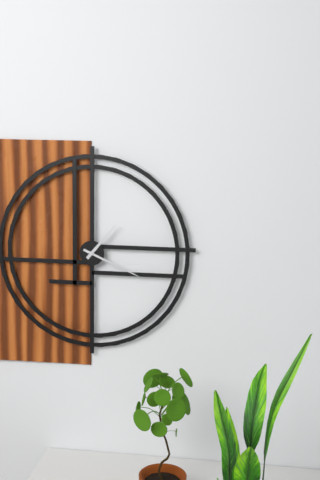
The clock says 1:19
